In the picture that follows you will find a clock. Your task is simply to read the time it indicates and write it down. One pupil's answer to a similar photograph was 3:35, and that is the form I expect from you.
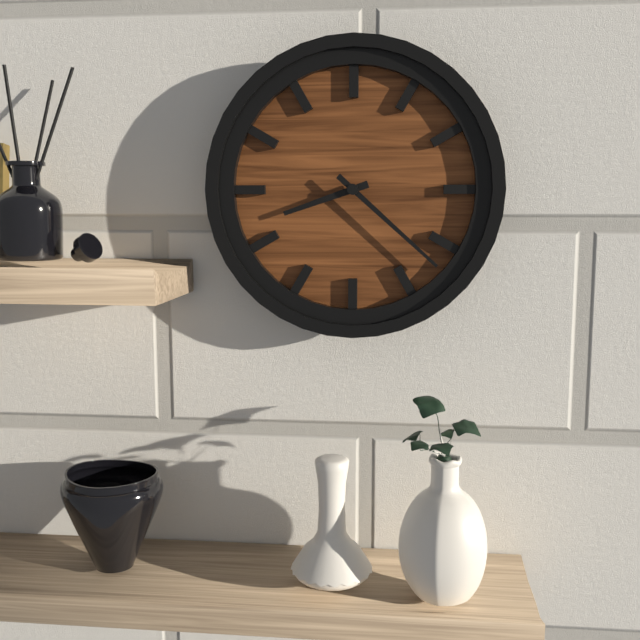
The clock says 8:22
